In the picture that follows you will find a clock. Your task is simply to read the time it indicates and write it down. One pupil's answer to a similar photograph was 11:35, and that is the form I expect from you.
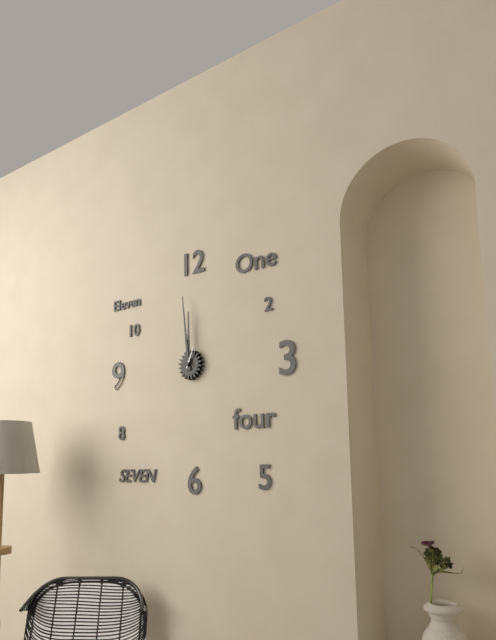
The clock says 11:59
